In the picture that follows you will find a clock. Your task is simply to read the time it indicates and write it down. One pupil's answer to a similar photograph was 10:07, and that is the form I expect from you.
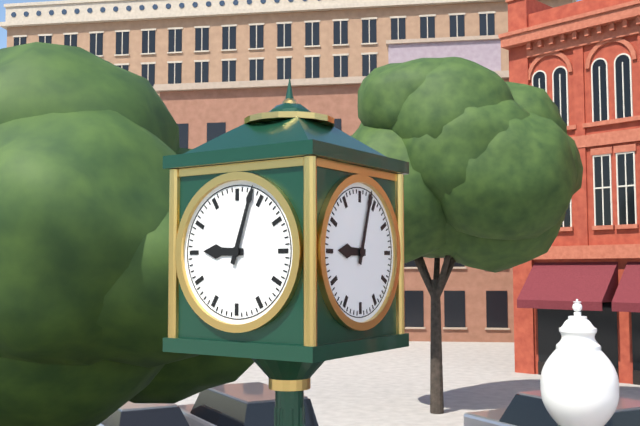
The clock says 9:03
